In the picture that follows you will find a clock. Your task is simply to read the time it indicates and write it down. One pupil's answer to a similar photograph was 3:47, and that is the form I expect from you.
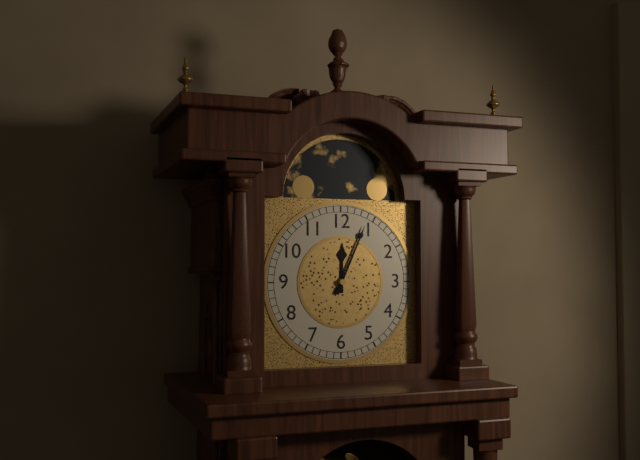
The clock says 12:04
